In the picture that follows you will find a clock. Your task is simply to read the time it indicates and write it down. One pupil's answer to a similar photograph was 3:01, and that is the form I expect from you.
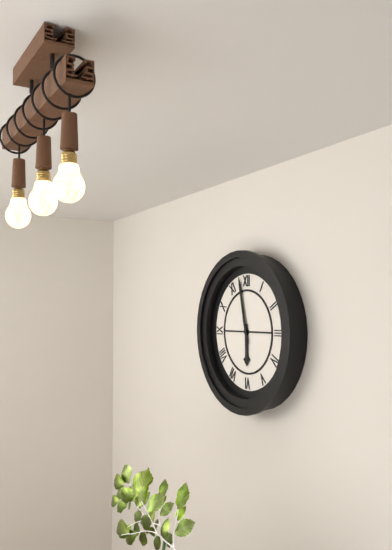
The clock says 5:58
